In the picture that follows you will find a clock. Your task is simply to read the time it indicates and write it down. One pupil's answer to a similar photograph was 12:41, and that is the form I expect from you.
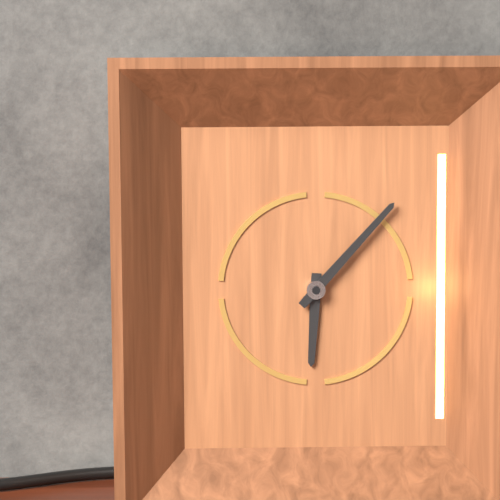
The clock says 6:07
